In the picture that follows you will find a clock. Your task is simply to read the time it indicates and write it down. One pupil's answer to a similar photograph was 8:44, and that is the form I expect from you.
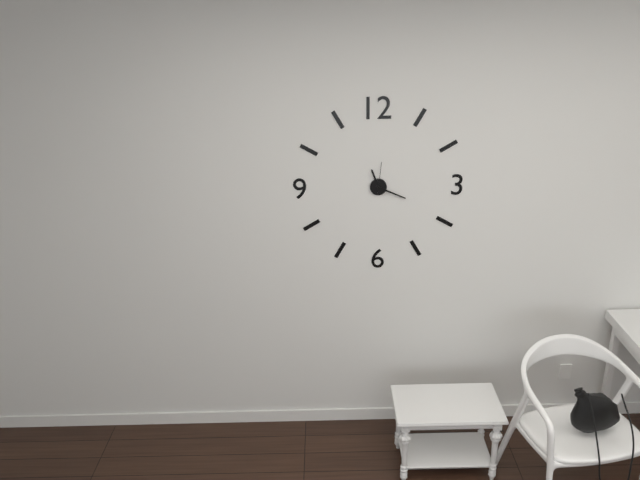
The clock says 11:19
